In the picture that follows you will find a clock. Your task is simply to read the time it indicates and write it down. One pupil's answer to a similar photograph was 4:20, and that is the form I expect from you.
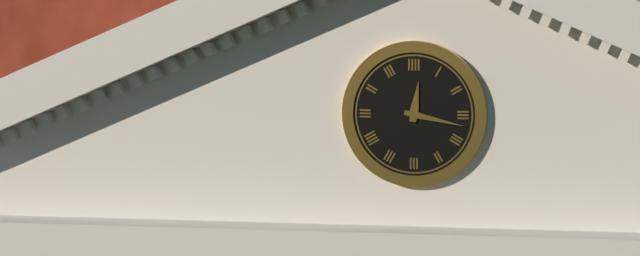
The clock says 12:17
